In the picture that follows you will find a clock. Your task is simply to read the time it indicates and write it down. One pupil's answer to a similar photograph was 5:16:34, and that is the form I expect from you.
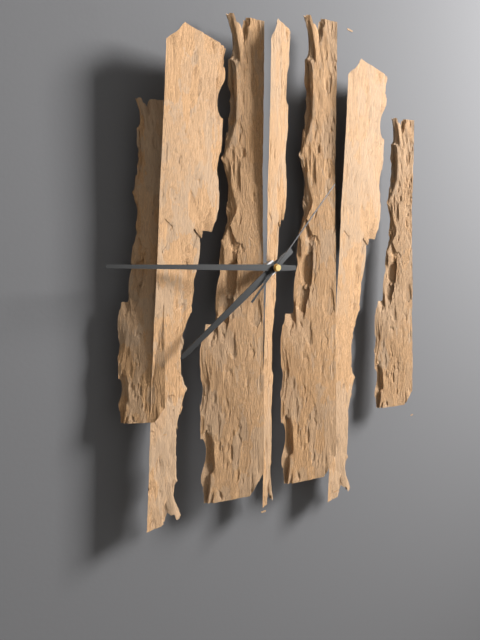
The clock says 7:45:07
